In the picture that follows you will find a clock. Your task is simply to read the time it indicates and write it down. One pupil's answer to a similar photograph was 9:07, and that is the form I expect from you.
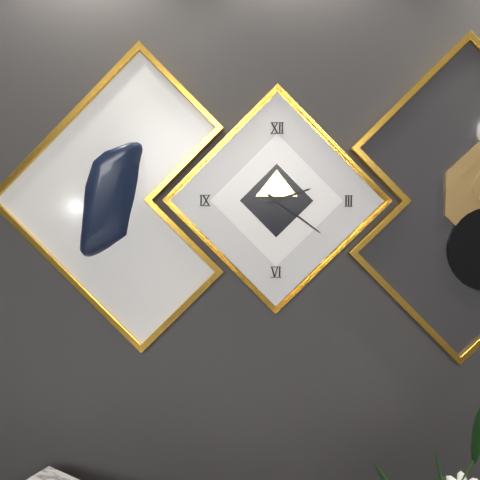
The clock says 2:21
